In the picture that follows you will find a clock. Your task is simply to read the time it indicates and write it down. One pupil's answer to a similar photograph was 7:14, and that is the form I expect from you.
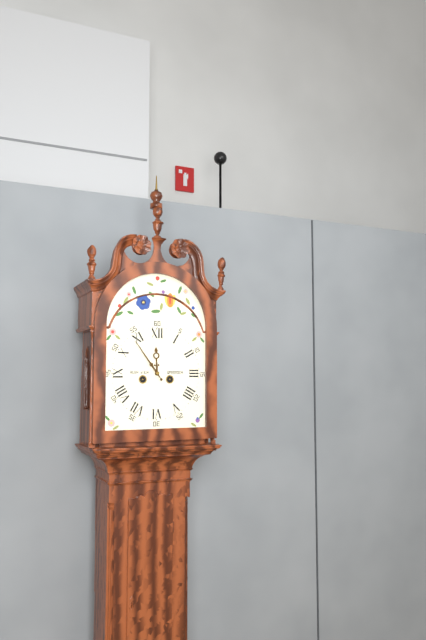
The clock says 11:54
